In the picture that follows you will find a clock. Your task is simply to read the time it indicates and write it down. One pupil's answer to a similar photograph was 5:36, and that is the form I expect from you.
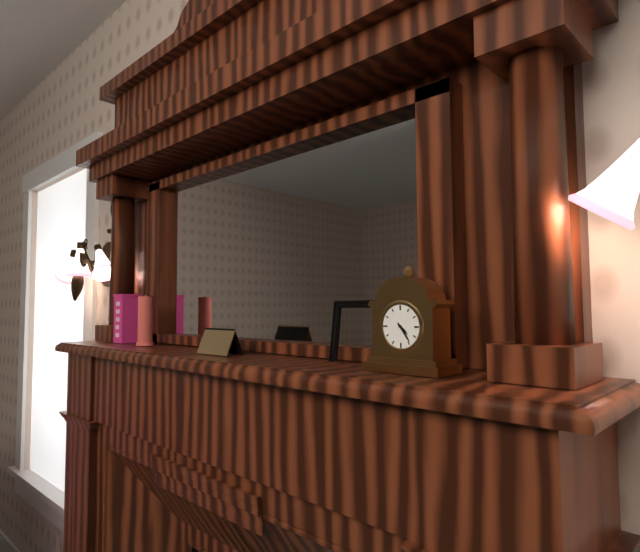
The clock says 4:24
